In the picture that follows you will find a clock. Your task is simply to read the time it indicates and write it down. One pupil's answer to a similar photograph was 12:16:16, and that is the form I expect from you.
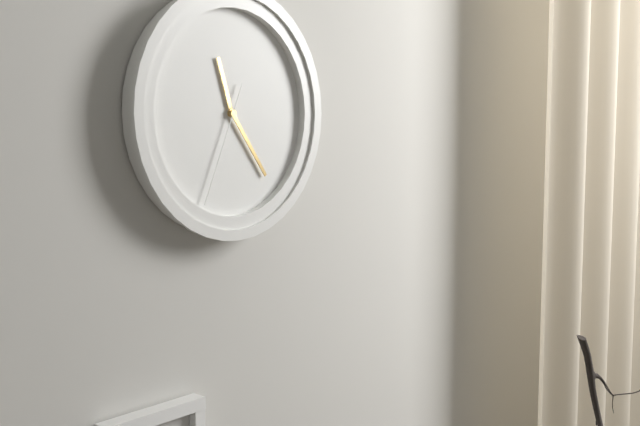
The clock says 11:24:34
